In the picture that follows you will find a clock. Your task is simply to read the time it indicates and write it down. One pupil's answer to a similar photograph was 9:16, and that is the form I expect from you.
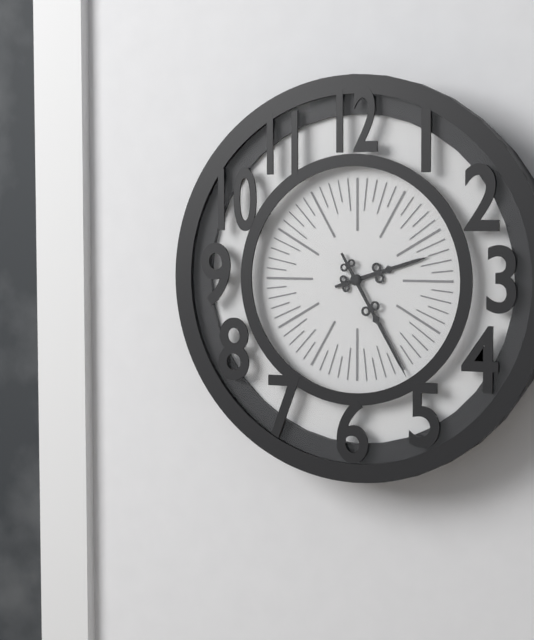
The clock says 2:25
